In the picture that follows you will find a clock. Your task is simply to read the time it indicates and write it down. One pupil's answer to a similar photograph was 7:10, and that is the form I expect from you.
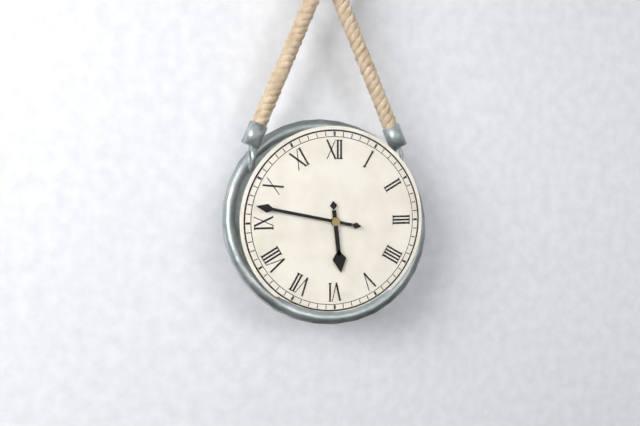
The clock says 5:47
